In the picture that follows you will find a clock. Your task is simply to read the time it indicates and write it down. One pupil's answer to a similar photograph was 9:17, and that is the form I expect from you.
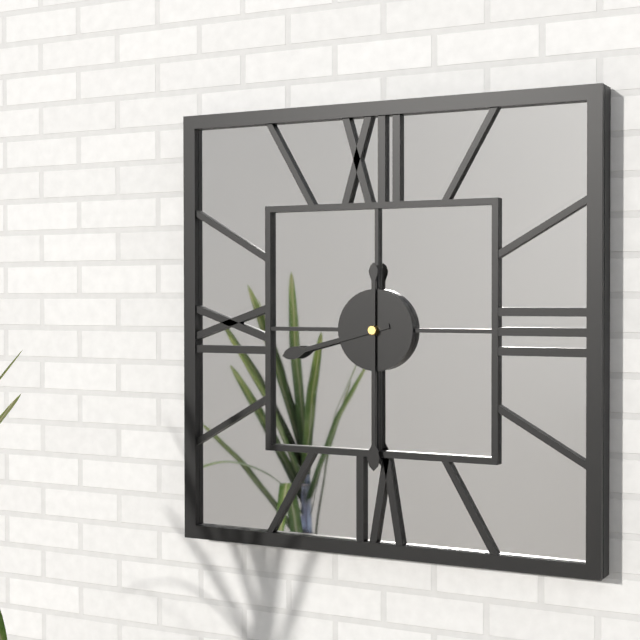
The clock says 8:30
